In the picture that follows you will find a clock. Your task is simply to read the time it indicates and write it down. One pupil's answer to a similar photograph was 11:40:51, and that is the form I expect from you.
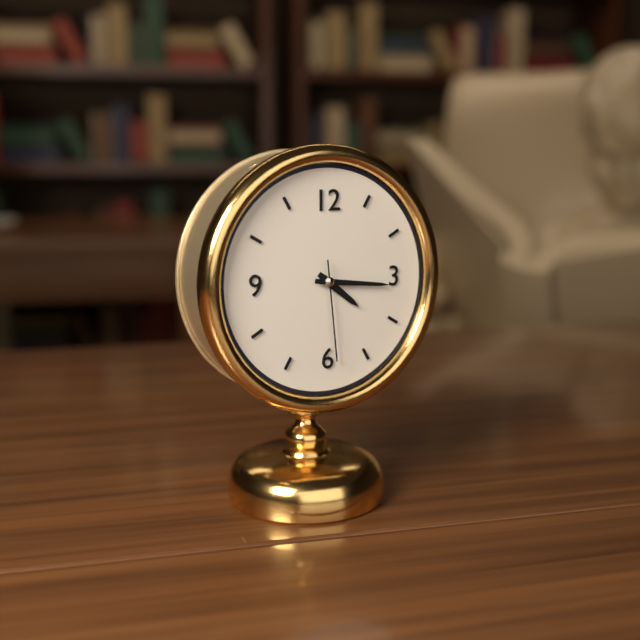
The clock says 4:16:29
